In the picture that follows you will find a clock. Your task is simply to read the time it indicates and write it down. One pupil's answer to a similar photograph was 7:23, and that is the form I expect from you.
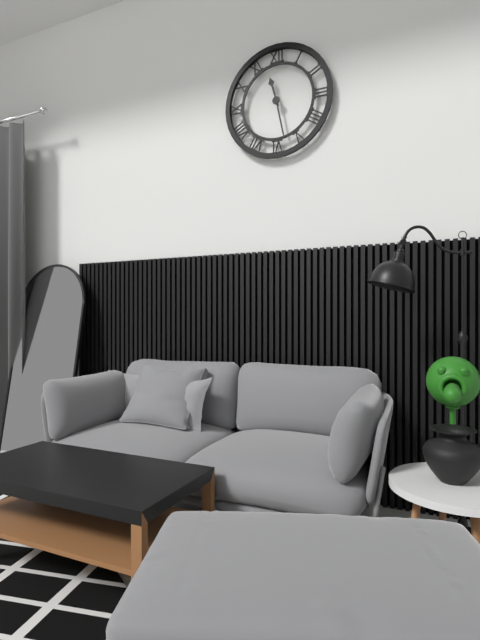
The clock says 11:28
